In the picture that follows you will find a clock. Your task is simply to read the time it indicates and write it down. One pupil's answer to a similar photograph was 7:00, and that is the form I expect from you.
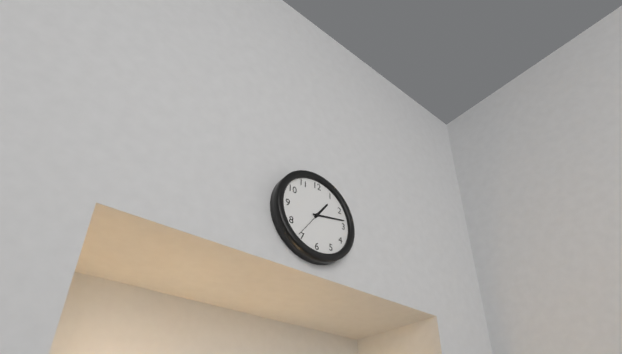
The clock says 1:13
